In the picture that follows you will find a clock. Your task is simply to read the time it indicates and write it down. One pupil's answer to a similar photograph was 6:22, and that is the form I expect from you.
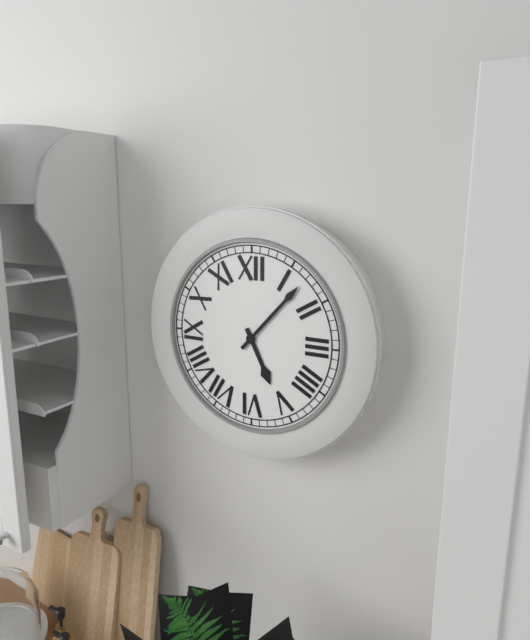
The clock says 5:07
